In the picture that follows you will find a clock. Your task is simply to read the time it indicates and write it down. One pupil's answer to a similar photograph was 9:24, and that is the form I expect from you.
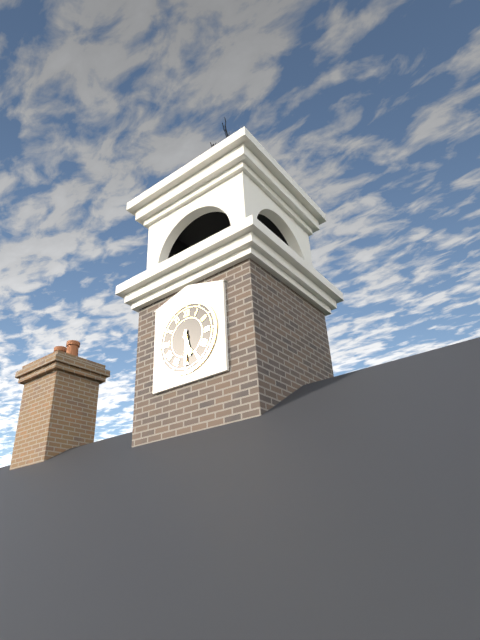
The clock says 5:30
